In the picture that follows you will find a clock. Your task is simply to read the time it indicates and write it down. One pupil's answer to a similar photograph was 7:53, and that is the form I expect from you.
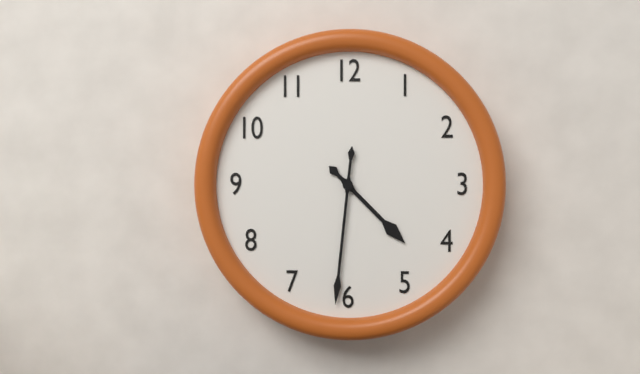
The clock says 4:31
